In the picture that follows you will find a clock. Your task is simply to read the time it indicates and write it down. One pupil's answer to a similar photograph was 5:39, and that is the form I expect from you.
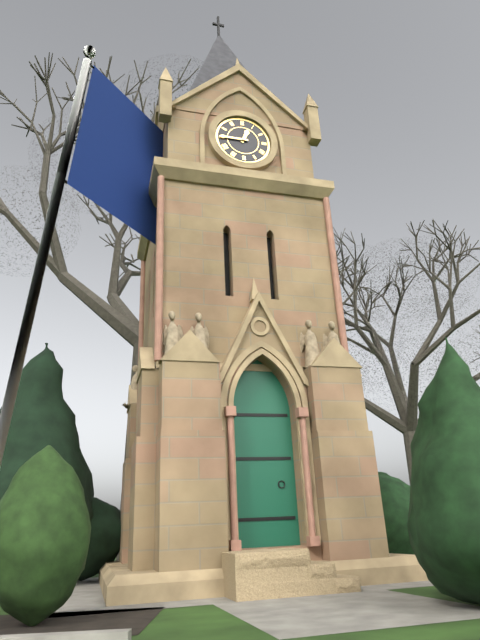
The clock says 12:45
